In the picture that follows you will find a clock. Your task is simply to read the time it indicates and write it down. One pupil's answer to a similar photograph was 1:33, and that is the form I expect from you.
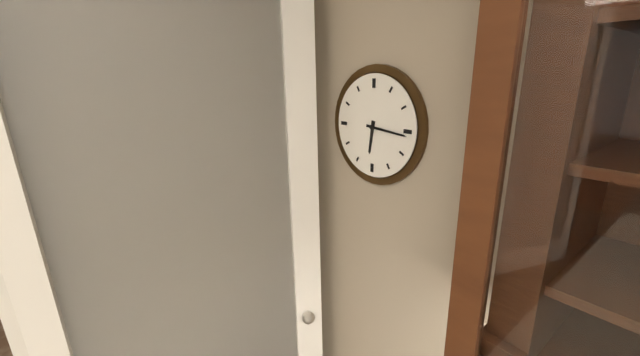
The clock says 6:16
